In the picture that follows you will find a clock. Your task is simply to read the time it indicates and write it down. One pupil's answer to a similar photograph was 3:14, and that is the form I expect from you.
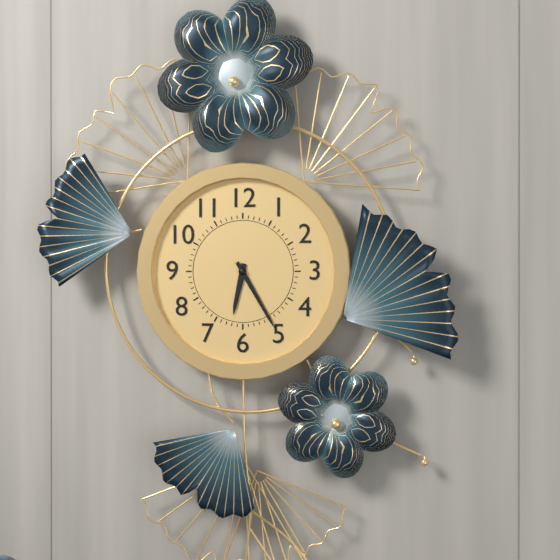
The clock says 6:25
